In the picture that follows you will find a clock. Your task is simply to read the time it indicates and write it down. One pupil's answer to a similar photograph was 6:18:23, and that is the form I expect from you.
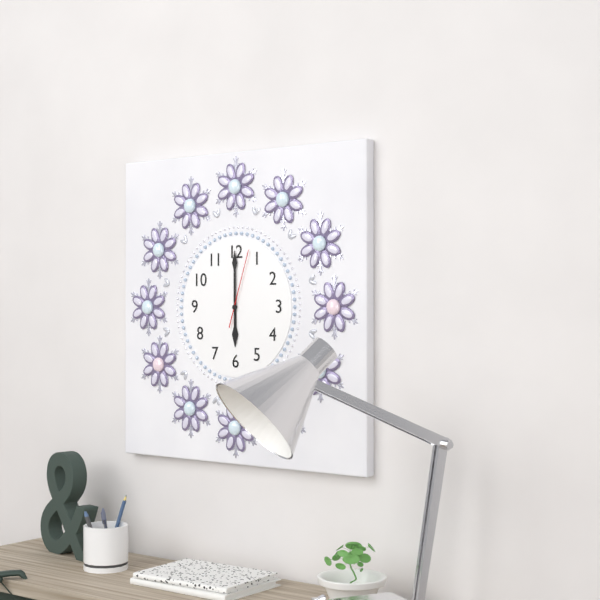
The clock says 6:00:03
